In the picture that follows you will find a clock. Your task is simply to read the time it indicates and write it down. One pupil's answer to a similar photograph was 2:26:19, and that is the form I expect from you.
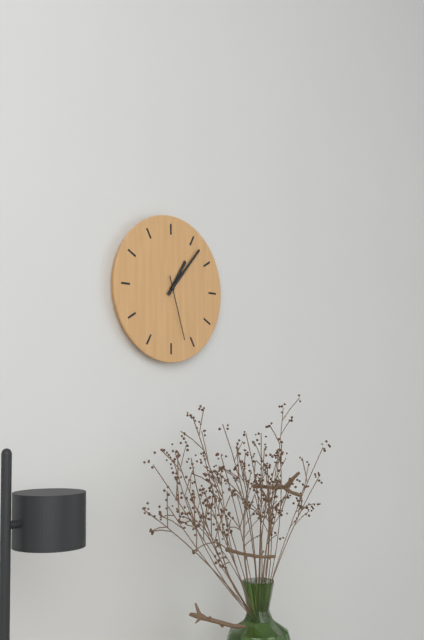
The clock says 1:07:27
